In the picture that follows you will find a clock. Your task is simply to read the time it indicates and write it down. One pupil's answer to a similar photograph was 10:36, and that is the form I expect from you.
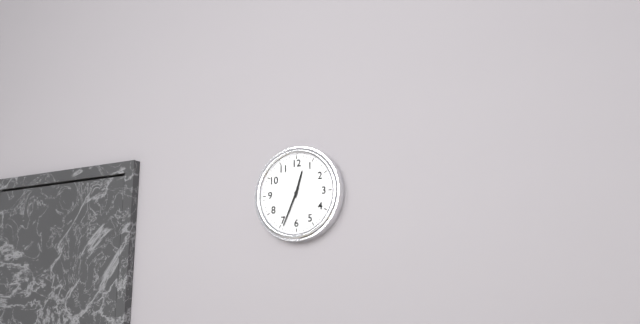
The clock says 12:34
